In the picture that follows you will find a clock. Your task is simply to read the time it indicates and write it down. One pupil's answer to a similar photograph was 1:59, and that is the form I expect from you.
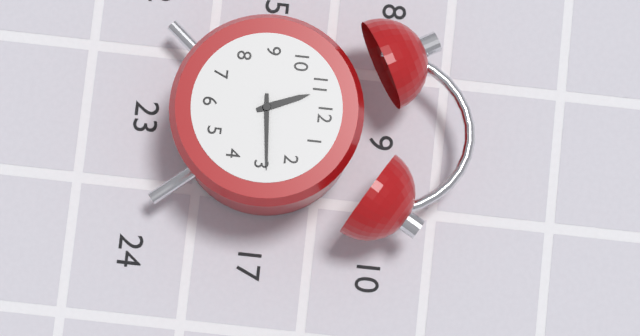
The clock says 11:14
